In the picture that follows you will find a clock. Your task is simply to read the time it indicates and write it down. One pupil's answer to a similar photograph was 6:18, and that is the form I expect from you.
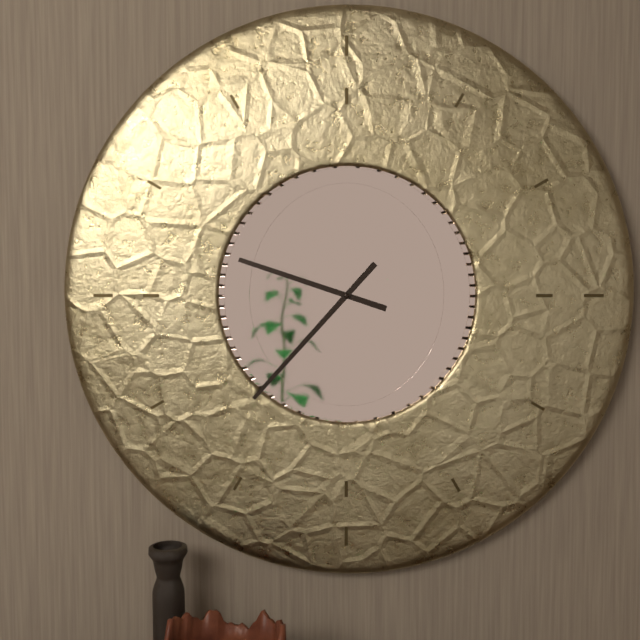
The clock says 9:37
